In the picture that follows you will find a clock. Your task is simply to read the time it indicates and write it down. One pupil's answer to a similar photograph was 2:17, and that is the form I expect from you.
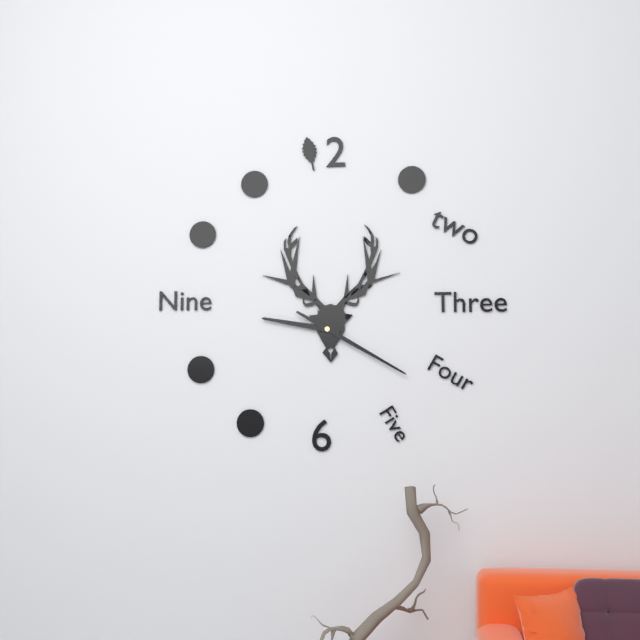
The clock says 9:20
